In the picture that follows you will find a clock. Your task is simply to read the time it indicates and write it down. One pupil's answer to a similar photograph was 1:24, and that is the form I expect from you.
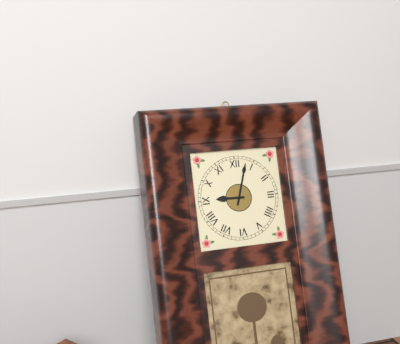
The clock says 9:03
